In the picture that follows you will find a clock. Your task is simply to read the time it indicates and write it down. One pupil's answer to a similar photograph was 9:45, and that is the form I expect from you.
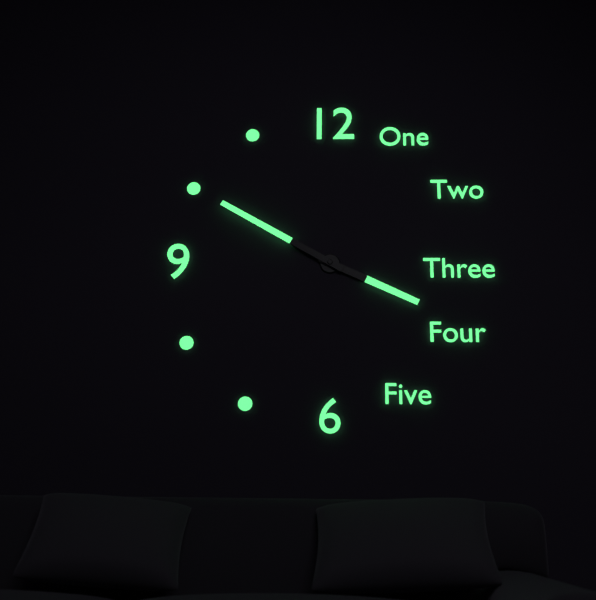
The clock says 3:50
